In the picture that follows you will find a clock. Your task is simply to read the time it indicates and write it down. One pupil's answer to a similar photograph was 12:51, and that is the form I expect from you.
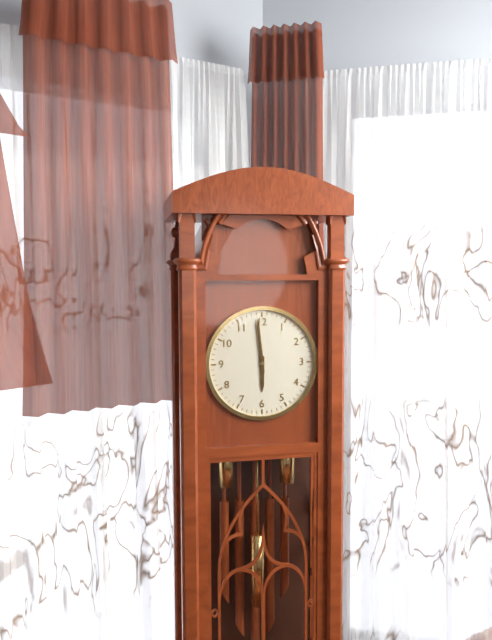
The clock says 5:59
